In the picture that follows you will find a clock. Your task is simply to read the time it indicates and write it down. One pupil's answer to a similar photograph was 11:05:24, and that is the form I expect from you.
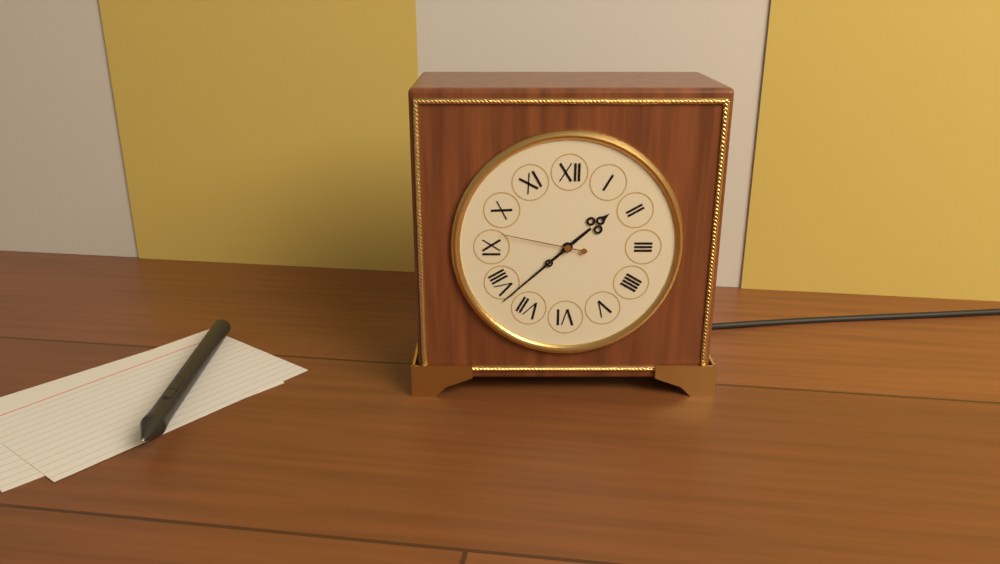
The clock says 1:38:47
